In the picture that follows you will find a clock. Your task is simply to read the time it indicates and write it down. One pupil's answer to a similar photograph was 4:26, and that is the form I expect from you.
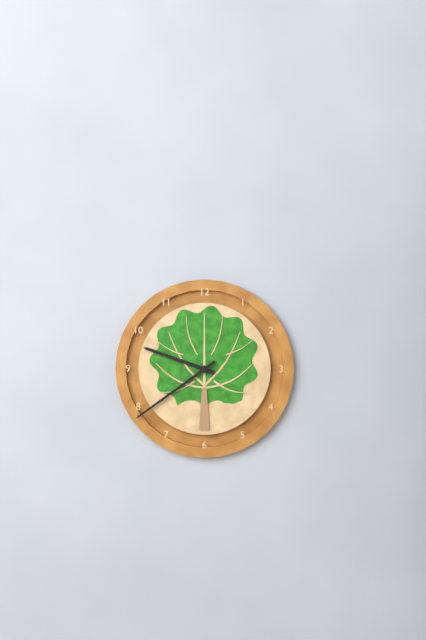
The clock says 9:39
